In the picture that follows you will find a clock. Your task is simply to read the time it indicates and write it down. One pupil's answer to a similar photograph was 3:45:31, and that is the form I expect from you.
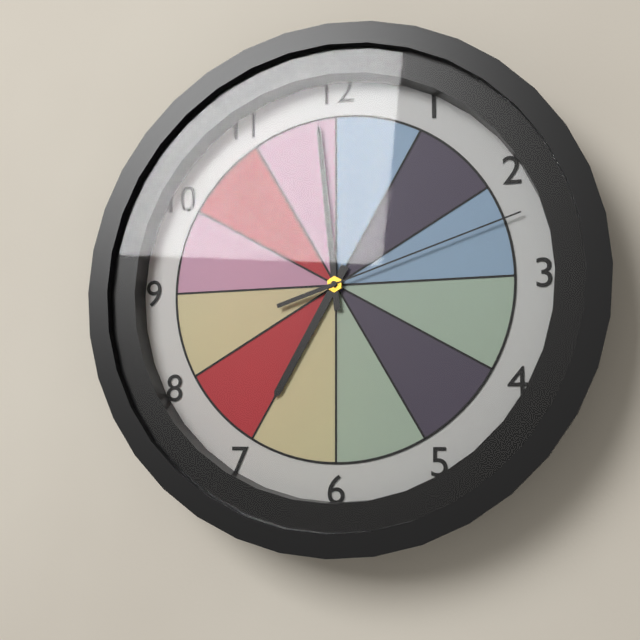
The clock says 6:59:12
